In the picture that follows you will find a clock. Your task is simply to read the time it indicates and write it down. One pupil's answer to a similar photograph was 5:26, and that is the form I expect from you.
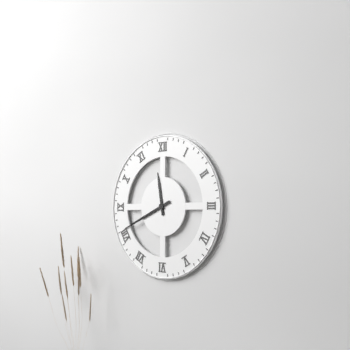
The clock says 11:41
